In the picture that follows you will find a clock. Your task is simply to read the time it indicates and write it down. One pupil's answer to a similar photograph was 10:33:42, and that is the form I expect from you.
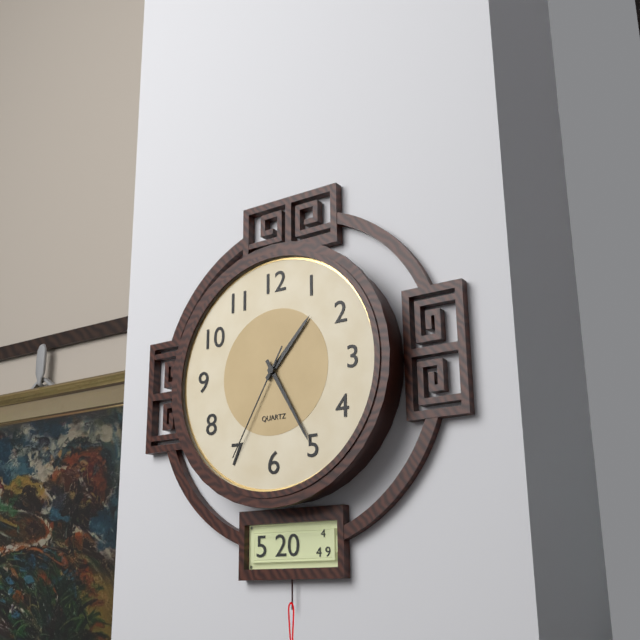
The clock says 1:25:35
